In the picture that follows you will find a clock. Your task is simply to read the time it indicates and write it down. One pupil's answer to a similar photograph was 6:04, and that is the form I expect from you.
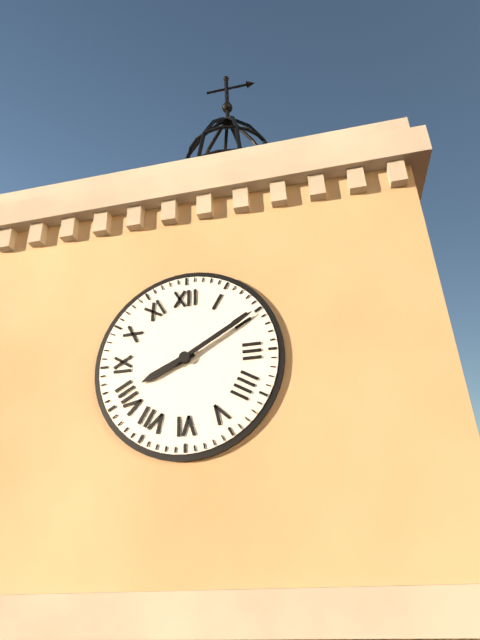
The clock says 8:10
